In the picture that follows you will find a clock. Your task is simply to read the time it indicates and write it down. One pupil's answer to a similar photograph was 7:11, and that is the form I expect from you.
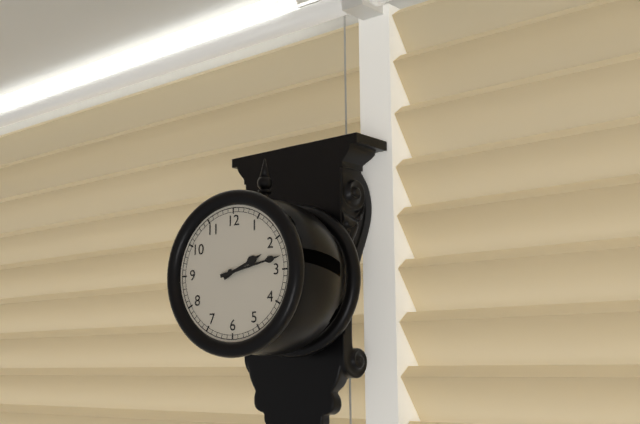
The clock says 2:13
